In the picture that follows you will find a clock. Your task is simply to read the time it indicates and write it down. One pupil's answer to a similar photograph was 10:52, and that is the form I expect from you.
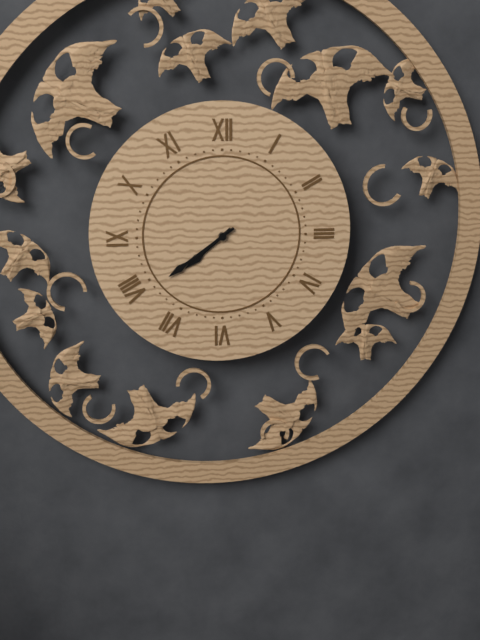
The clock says 7:39
